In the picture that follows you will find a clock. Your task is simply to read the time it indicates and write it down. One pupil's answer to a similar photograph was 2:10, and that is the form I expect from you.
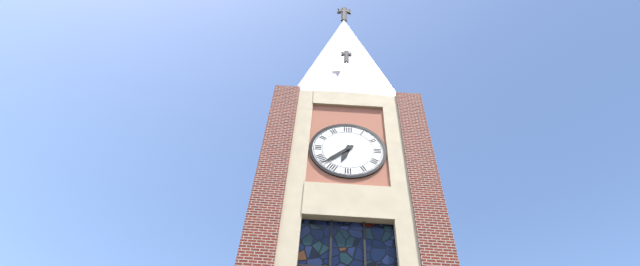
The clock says 6:38
